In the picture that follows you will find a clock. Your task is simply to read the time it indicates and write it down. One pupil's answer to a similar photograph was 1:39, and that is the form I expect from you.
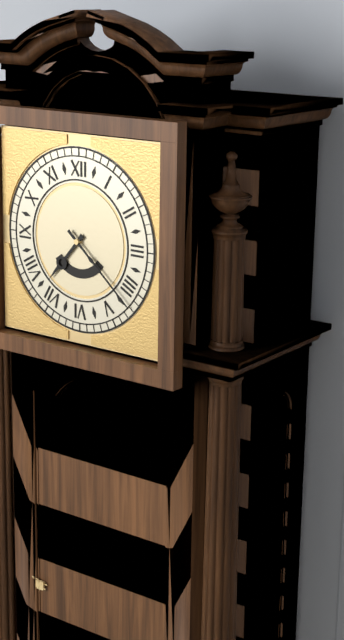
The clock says 7:22
